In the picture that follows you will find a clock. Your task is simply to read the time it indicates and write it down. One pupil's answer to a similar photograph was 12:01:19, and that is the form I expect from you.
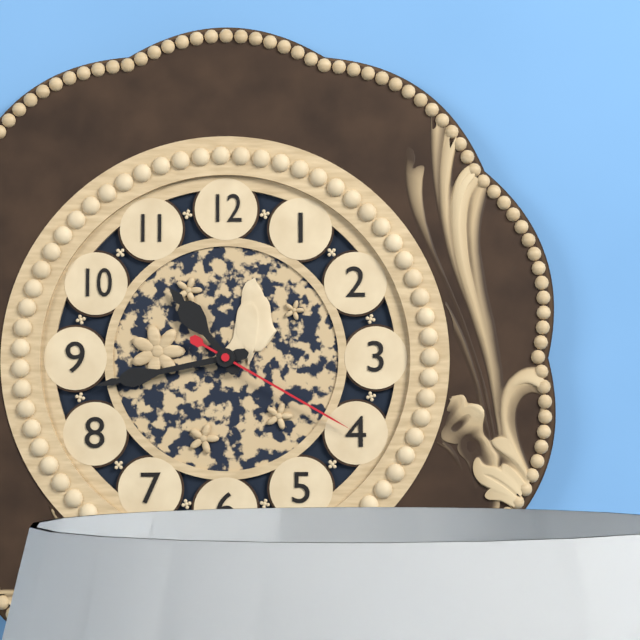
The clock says 10:43:20
